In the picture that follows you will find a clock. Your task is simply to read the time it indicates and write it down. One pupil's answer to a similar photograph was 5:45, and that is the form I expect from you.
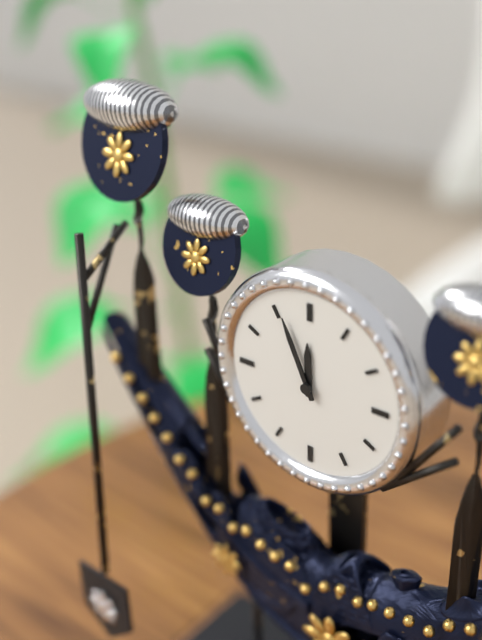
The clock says 11:56
